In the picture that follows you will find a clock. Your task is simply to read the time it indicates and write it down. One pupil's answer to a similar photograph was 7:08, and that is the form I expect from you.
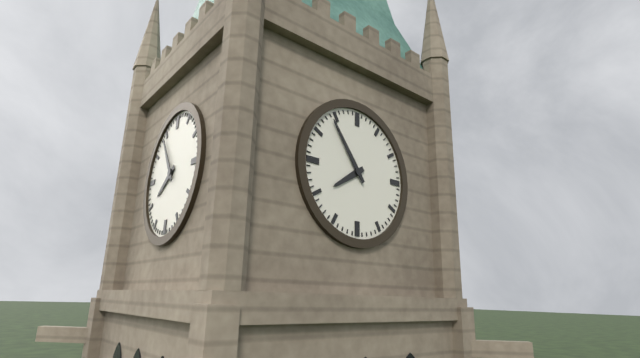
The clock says 7:54
